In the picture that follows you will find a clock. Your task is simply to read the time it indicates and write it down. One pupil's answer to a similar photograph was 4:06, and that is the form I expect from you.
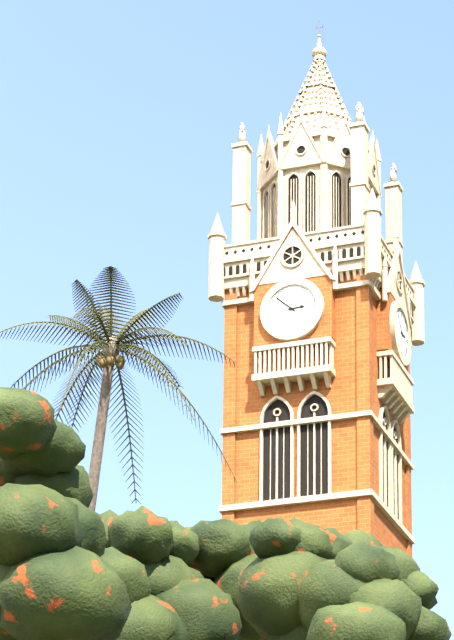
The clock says 2:52
